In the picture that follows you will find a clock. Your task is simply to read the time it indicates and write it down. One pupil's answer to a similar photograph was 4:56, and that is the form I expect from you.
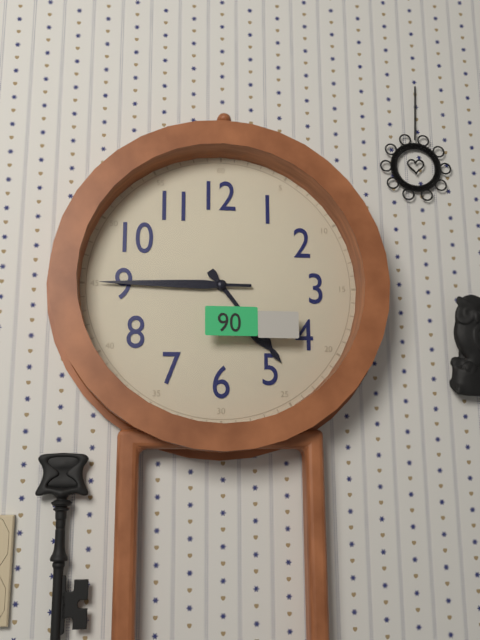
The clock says 4:45
